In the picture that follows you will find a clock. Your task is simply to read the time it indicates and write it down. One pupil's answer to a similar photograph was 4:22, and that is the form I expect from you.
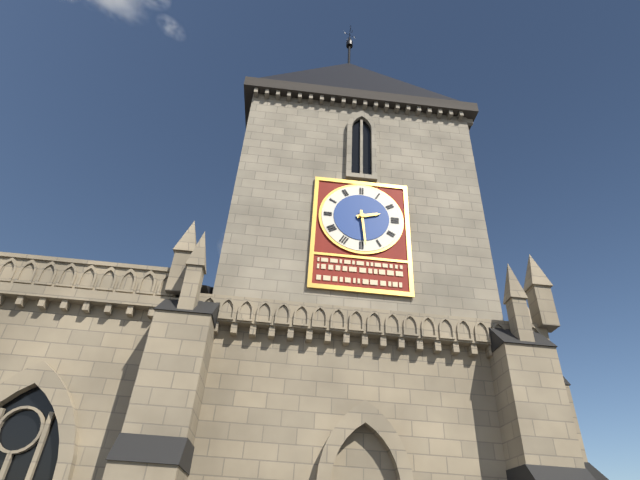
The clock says 2:29
